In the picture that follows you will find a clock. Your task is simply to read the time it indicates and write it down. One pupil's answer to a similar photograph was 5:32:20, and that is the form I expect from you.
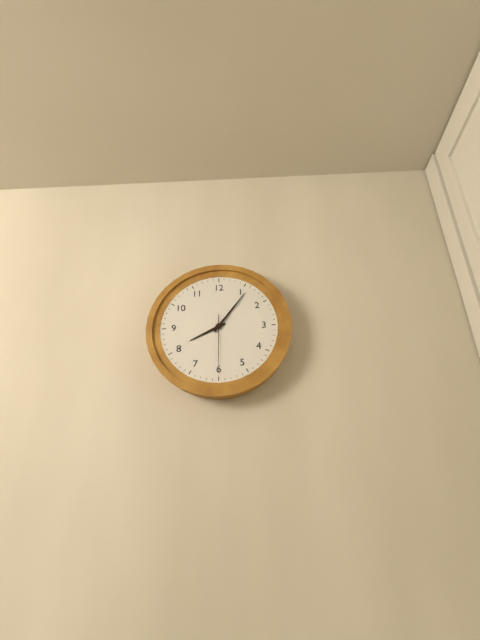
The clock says 8:06:30
